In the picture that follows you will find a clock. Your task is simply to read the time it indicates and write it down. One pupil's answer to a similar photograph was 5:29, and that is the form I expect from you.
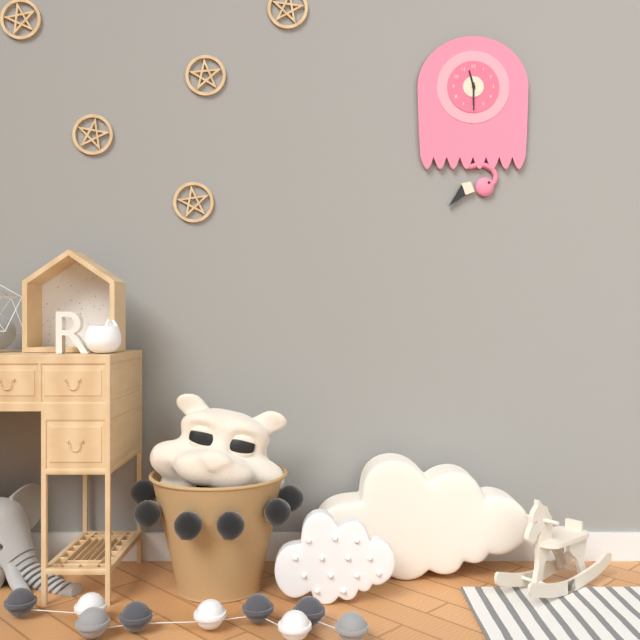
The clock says 11:30
